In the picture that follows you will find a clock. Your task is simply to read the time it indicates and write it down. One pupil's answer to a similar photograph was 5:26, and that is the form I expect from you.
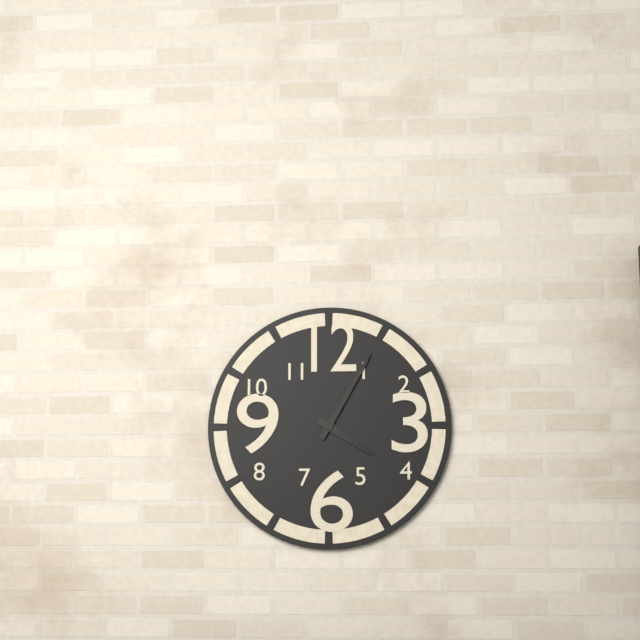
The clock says 4:05
